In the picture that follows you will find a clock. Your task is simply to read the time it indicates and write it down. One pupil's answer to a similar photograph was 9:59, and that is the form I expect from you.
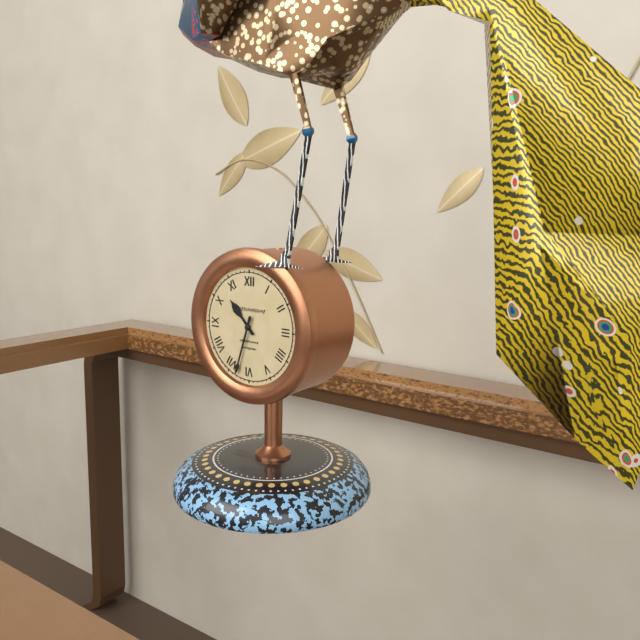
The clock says 10:33
